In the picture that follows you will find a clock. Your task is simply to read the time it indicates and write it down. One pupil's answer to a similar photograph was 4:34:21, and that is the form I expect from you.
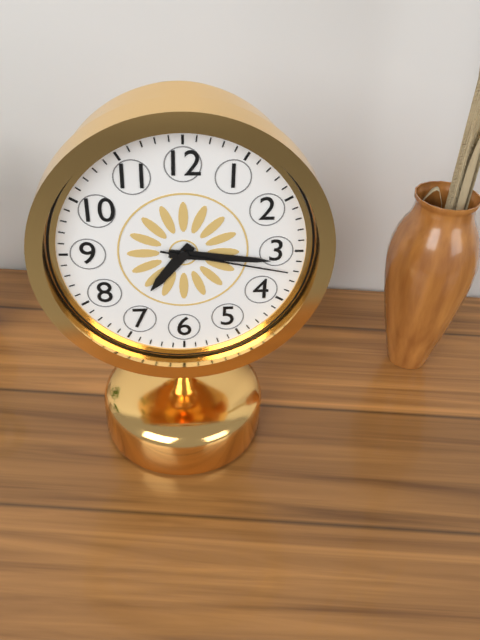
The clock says 7:16:17
